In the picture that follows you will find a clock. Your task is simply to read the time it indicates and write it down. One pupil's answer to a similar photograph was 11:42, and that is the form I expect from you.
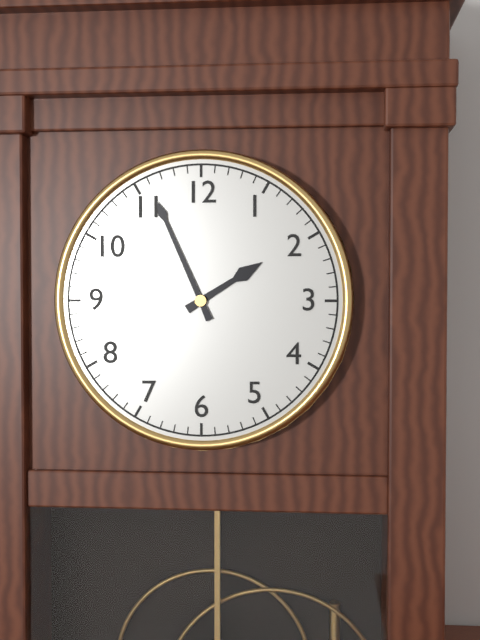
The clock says 1:56
